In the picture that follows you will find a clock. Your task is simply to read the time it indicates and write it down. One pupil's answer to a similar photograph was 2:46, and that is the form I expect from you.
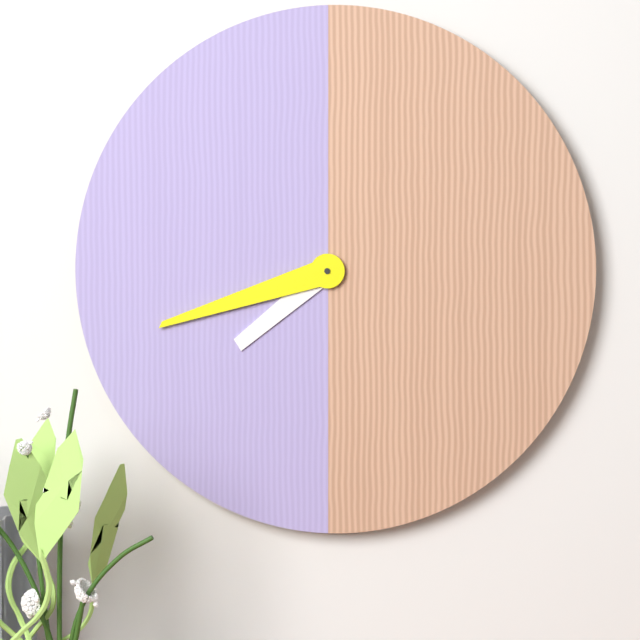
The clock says 7:42
